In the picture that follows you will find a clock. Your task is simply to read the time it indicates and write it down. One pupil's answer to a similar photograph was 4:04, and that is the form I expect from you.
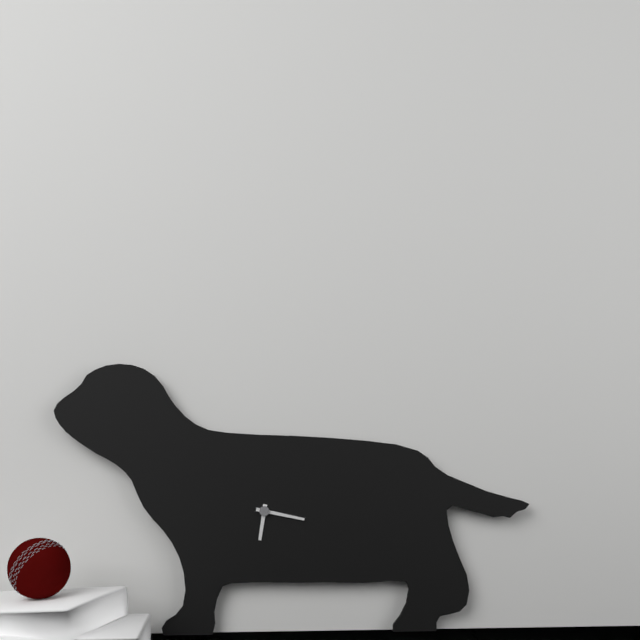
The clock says 6:17
